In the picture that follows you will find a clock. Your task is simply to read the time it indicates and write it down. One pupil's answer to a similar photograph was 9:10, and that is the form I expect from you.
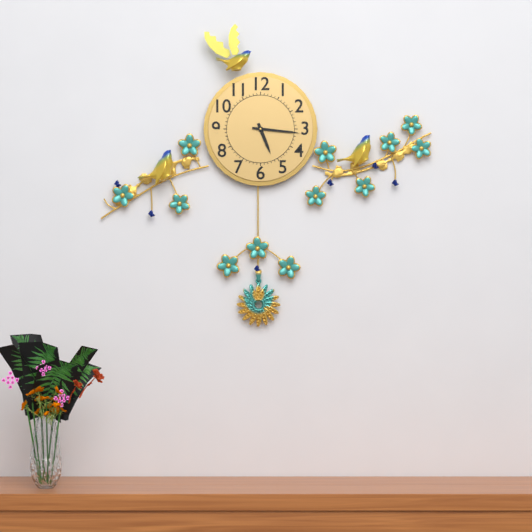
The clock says 5:16
